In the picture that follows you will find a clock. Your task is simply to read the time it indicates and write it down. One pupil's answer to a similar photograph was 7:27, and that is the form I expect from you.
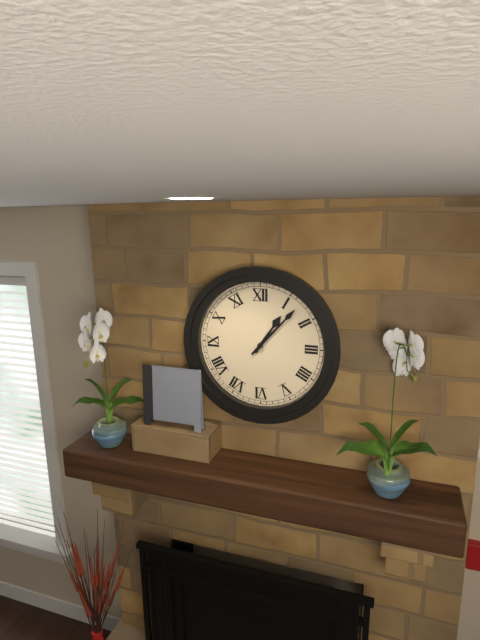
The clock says 1:07
